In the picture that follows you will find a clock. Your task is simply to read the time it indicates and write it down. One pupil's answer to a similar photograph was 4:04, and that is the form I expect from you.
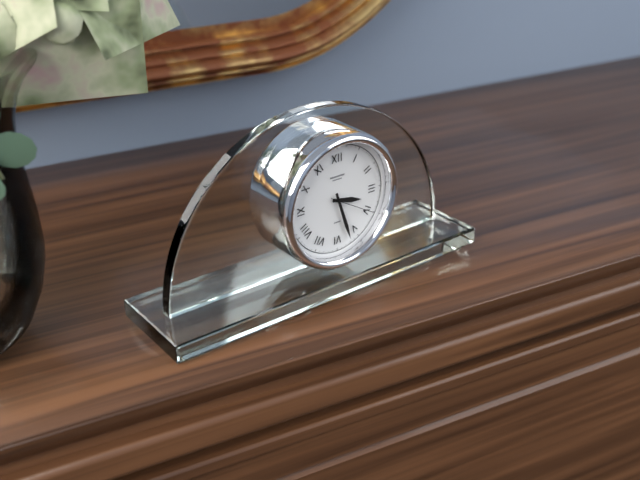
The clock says 3:27
